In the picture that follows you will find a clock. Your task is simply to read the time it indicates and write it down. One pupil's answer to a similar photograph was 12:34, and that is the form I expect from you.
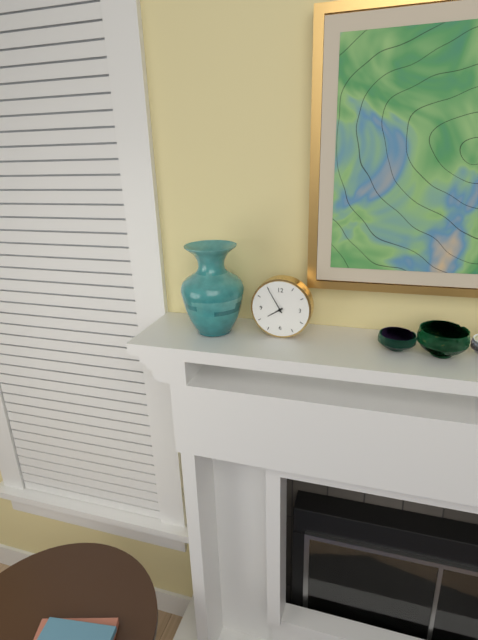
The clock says 7:55
